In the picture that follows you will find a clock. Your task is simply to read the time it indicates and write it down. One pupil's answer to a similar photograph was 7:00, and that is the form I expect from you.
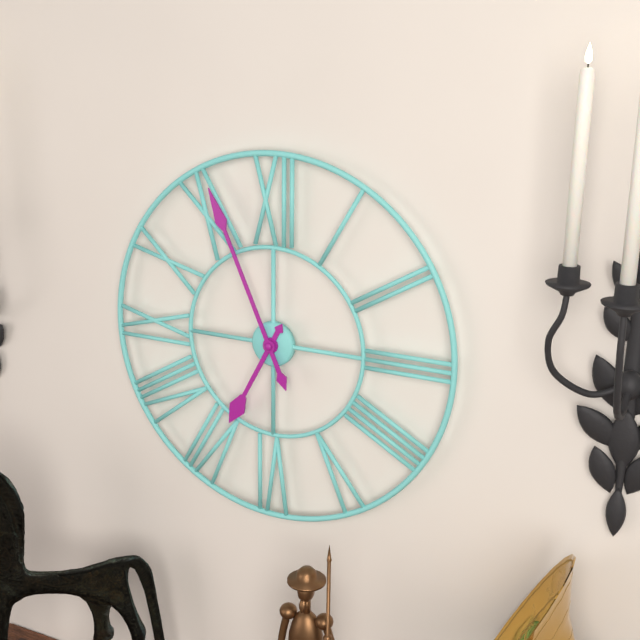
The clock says 6:56
